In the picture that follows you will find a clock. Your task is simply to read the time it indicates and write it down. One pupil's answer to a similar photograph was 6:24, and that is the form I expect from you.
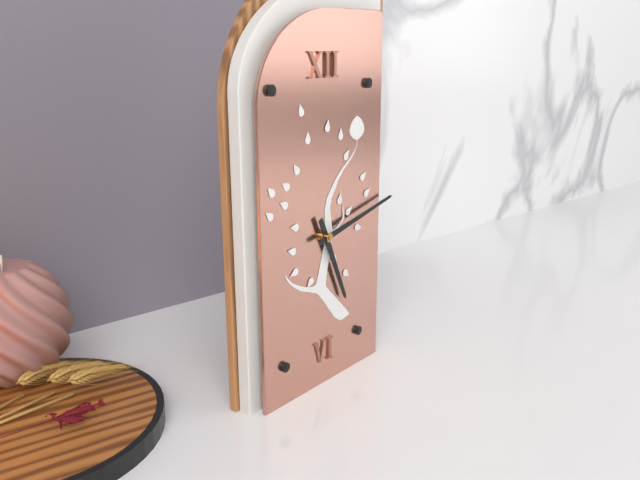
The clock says 5:13
